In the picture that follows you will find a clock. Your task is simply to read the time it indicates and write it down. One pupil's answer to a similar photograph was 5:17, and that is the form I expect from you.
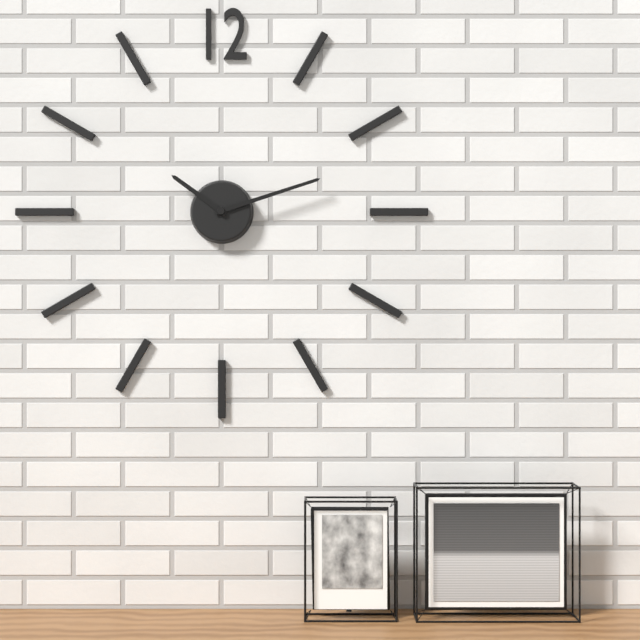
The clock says 10:12
